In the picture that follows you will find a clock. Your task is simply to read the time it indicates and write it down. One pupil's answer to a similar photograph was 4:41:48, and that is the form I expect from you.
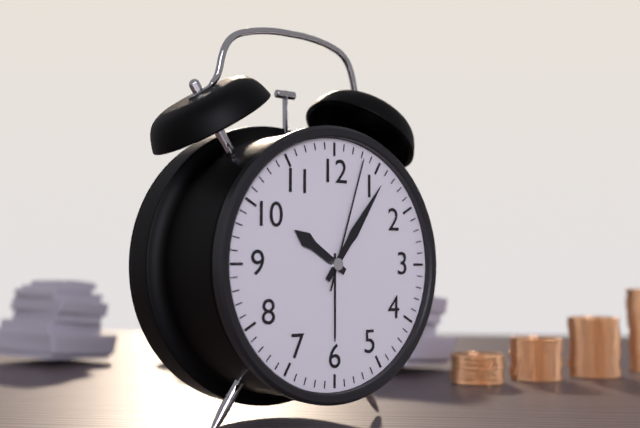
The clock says 10:06:03
